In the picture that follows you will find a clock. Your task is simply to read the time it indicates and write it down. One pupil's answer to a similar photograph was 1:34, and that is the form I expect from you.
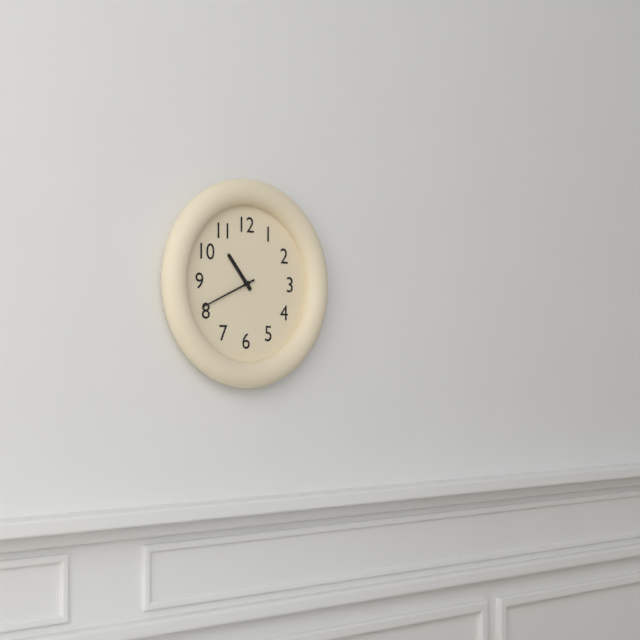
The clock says 10:41
